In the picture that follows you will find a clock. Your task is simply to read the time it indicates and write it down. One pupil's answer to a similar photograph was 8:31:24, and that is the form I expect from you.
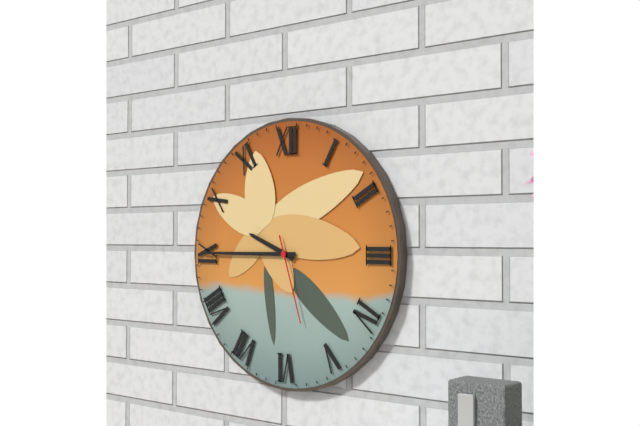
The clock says 9:45:27
